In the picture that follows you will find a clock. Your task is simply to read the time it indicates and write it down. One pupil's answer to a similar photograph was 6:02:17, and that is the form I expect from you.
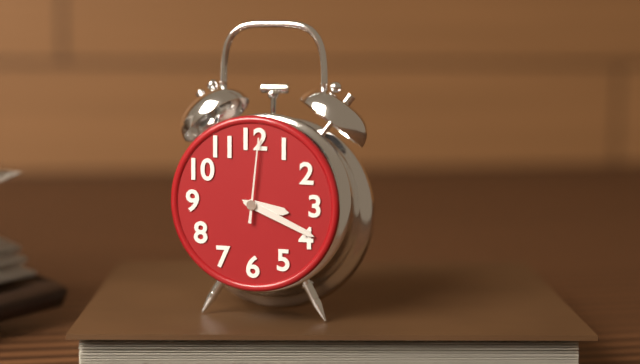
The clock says 3:19:01
